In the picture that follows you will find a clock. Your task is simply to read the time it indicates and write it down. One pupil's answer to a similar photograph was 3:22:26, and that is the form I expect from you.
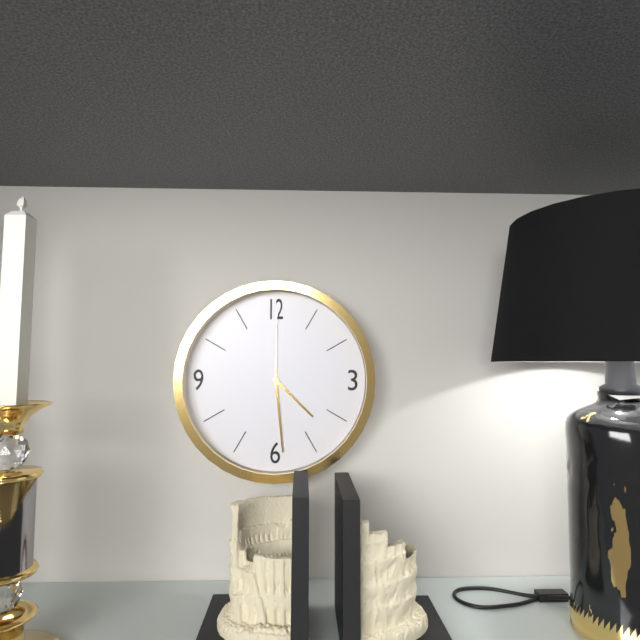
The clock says 4:29:00
